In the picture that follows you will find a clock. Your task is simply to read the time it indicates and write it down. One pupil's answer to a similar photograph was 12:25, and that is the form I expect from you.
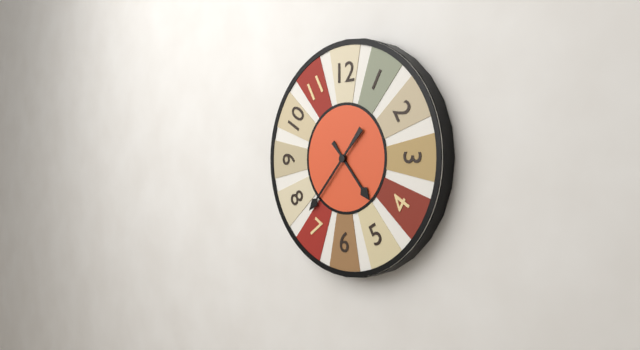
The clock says 4:37
